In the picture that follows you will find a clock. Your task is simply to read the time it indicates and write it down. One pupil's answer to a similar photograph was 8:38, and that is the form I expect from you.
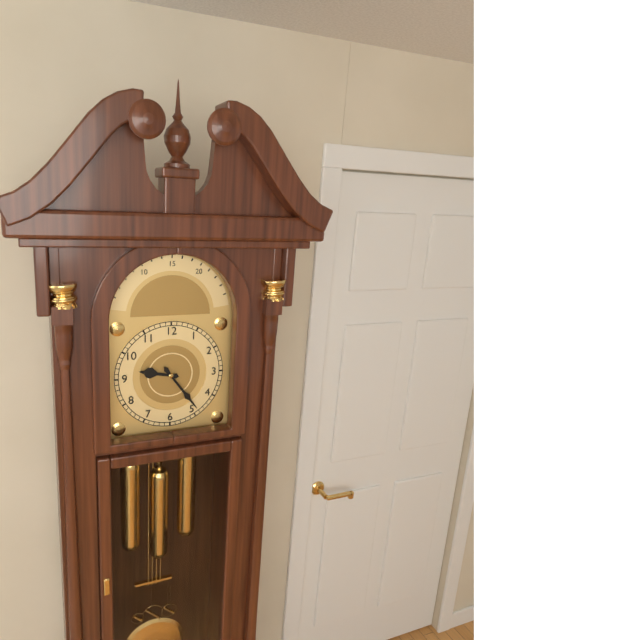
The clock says 9:24
